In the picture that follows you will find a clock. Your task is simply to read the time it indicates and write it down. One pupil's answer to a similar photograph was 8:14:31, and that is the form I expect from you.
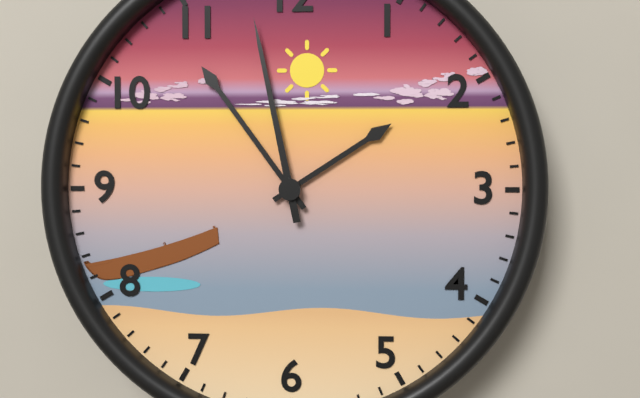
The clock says 1:54:58
